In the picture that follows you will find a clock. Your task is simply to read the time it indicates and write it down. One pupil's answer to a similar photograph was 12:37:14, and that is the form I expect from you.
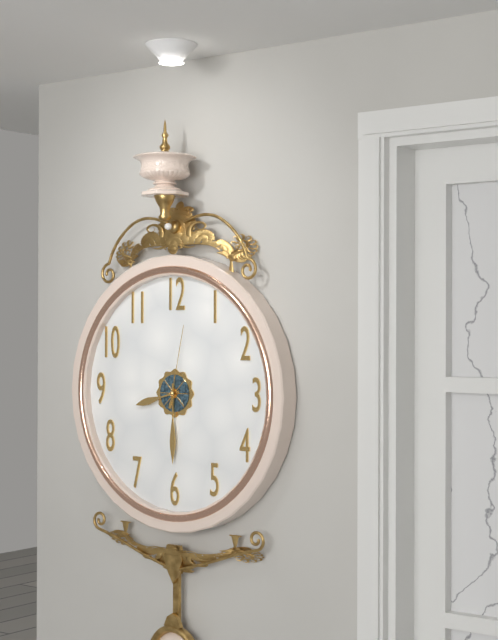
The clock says 8:30:02
